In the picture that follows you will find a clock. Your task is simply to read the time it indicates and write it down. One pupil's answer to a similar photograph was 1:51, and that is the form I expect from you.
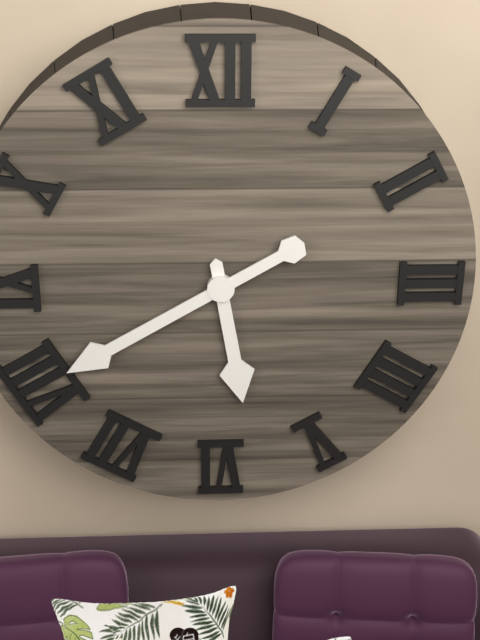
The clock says 5:40
